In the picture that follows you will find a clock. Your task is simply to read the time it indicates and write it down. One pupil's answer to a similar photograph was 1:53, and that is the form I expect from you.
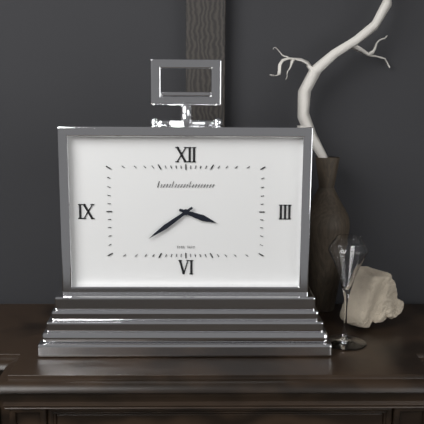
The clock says 3:39
